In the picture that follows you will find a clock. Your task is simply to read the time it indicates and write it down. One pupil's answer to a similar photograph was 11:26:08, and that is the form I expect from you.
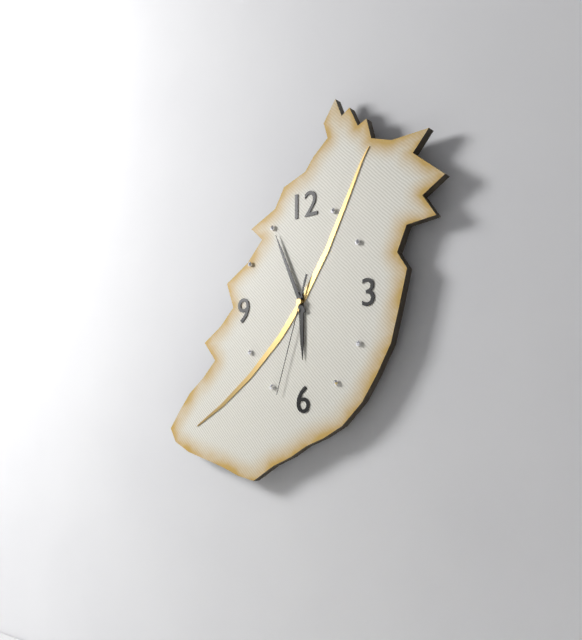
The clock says 5:56:33
